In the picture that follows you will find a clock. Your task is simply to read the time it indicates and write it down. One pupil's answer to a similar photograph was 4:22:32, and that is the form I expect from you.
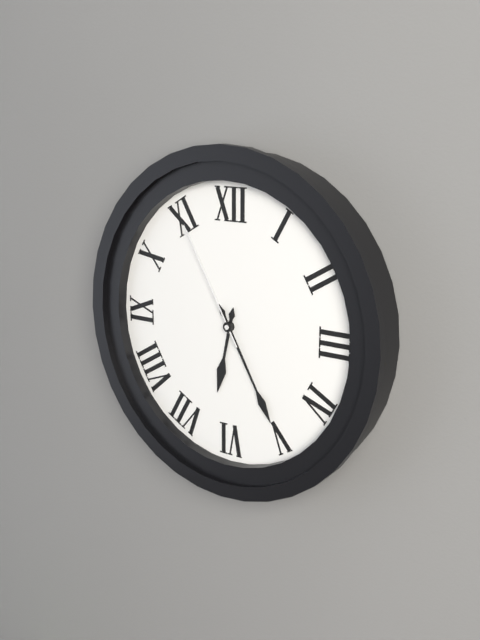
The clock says 6:25:55
